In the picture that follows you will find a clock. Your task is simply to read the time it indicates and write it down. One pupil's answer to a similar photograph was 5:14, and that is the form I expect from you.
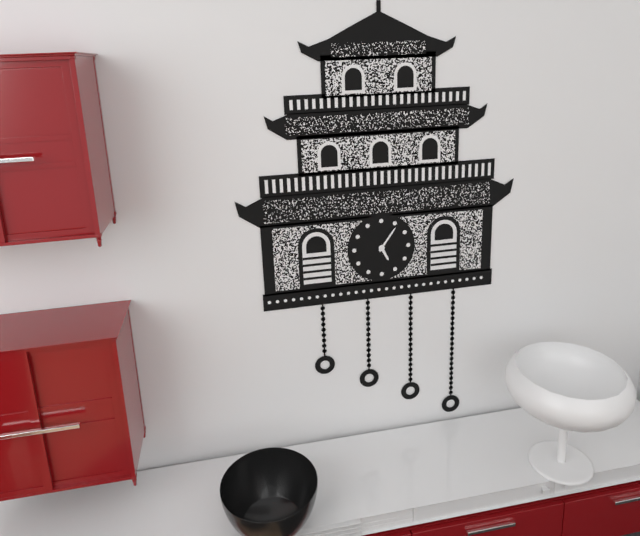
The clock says 5:06
